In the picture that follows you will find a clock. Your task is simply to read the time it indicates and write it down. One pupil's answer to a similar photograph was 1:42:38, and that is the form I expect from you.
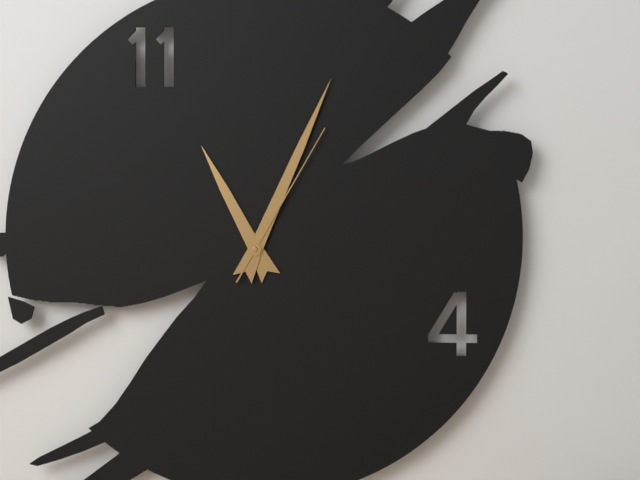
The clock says 11:04:05
